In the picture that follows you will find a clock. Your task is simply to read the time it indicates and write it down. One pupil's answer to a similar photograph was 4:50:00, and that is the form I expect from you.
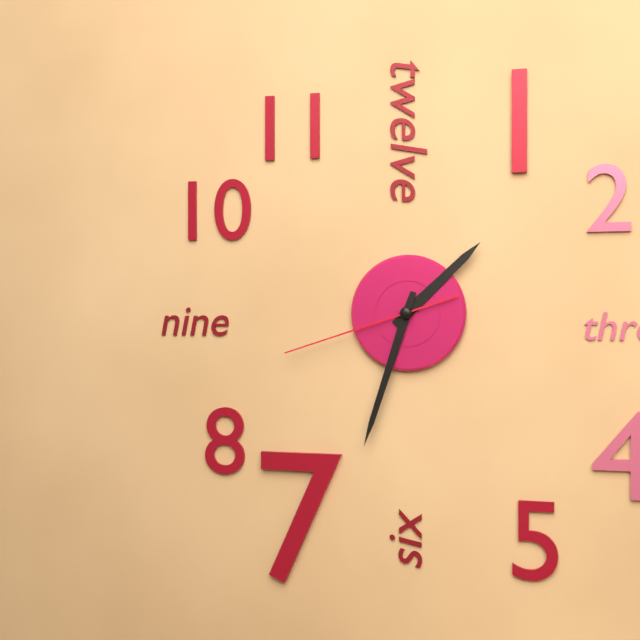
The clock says 1:33:42
